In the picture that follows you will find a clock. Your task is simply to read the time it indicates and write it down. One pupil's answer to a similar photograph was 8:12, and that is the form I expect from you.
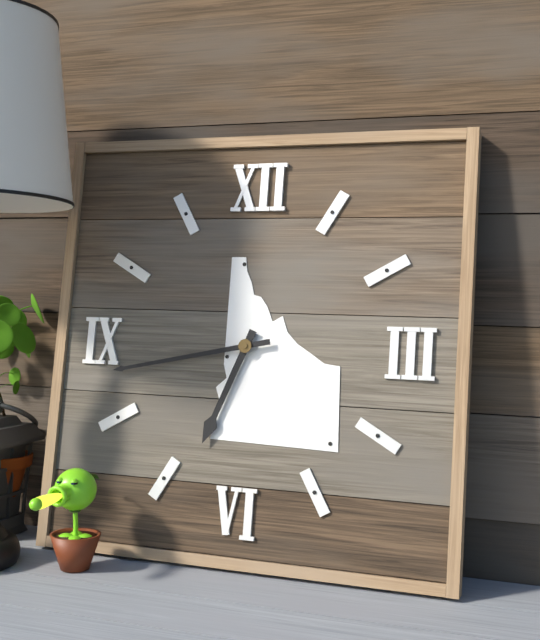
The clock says 6:43
